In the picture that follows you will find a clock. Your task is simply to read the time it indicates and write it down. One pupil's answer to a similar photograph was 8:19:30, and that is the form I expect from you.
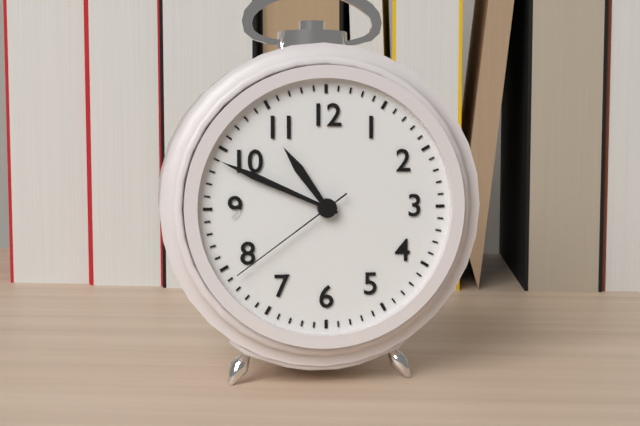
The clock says 10:49:39
